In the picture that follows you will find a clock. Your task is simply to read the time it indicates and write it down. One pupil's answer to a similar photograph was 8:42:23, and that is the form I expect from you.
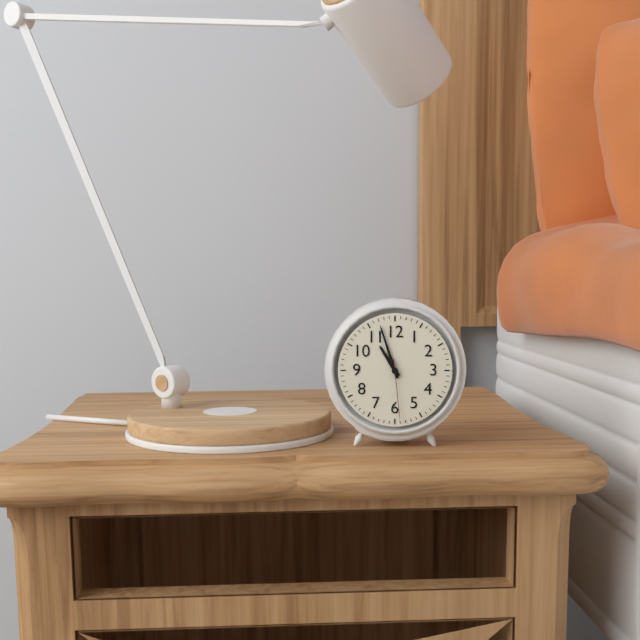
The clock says 10:57:29
